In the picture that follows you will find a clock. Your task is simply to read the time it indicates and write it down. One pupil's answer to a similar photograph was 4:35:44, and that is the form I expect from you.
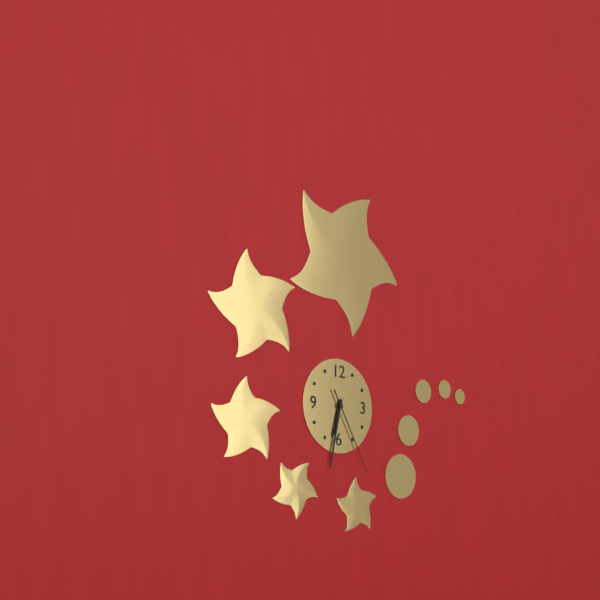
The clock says 6:32:25
